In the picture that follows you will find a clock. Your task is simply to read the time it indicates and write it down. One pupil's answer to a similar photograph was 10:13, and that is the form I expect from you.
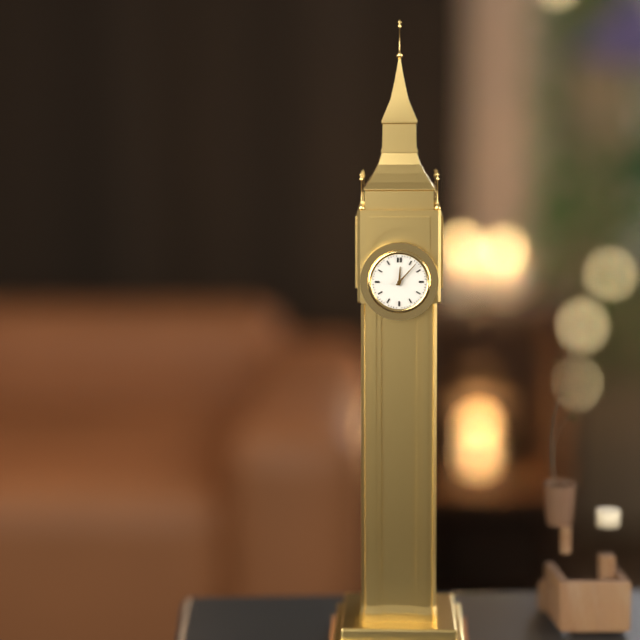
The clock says 12:07
